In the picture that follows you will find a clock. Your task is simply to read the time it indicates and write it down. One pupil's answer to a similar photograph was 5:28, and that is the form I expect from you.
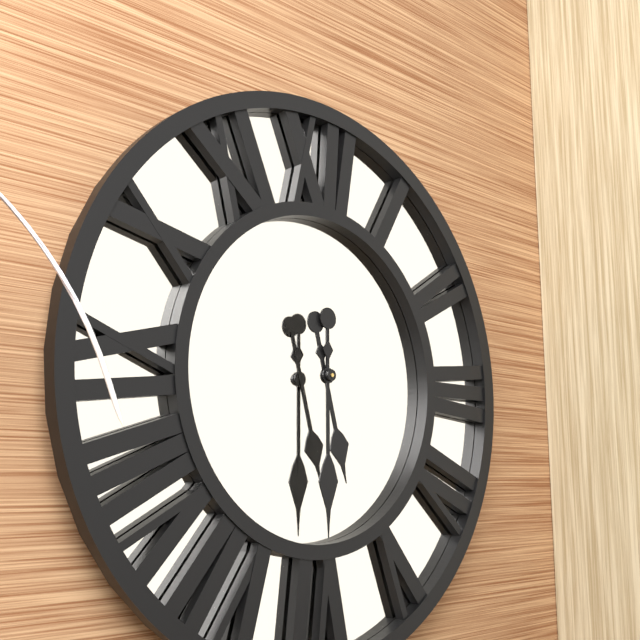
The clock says 5:30
